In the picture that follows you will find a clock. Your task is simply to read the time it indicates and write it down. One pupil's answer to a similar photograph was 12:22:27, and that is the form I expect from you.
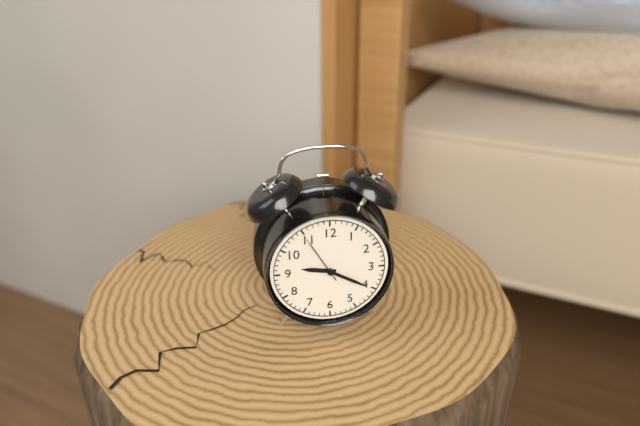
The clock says 9:20:55
